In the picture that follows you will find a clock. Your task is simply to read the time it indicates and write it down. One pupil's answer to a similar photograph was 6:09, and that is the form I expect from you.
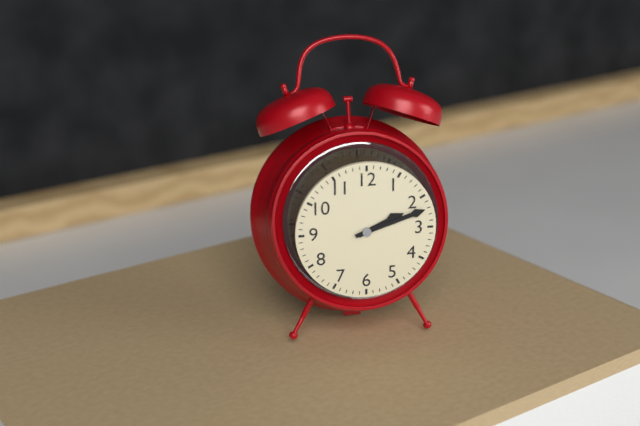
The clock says 2:12
